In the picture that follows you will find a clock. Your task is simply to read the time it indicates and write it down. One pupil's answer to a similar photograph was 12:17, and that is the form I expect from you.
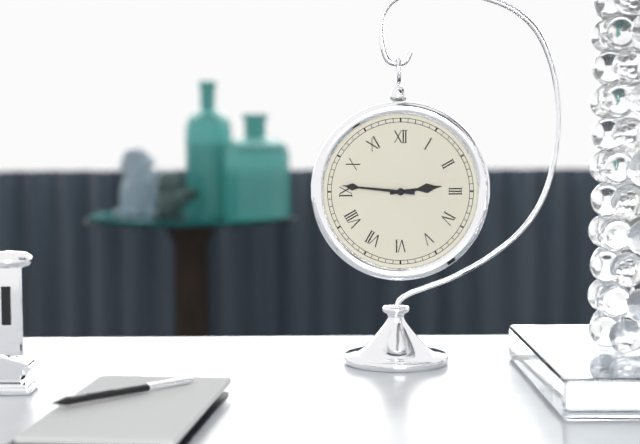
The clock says 2:46
